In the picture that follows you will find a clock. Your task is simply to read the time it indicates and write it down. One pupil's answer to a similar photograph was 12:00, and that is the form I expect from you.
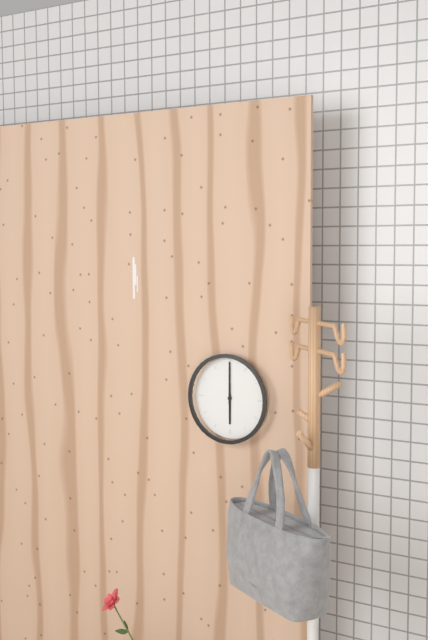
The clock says 6:00
